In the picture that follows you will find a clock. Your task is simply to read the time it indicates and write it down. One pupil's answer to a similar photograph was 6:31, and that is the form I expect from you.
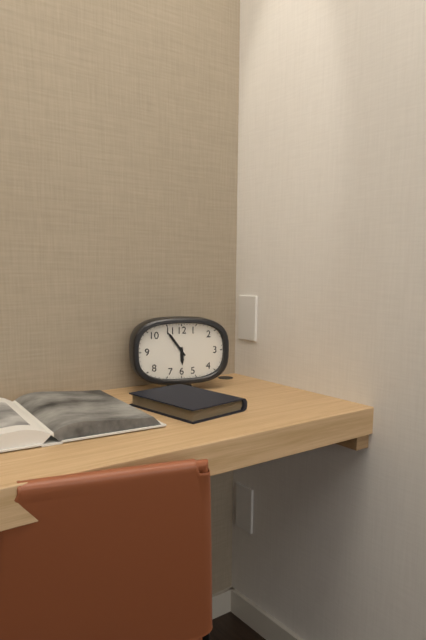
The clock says 5:54
